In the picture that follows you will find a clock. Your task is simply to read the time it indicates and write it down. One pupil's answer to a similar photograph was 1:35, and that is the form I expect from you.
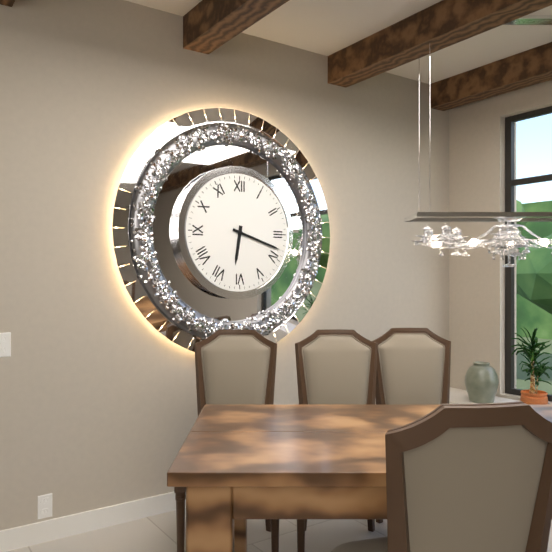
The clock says 6:18
